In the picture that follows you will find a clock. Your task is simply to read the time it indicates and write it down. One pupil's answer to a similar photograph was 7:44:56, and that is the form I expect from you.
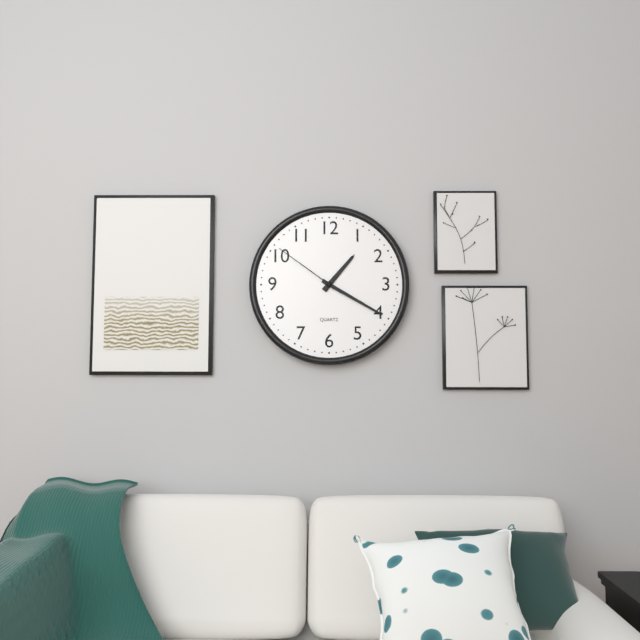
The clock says 1:20:51
